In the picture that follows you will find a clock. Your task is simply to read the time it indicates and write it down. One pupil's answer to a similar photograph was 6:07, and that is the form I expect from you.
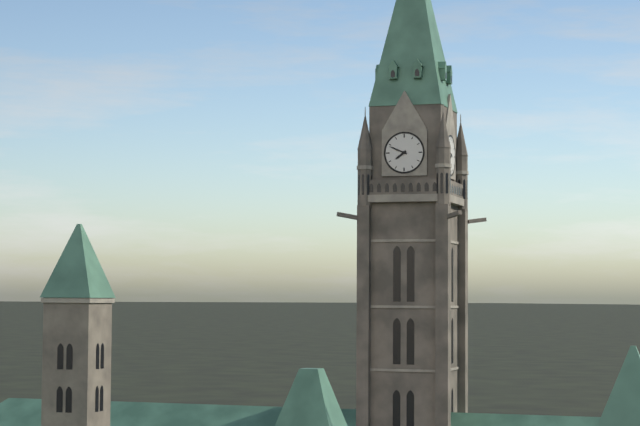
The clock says 7:49
